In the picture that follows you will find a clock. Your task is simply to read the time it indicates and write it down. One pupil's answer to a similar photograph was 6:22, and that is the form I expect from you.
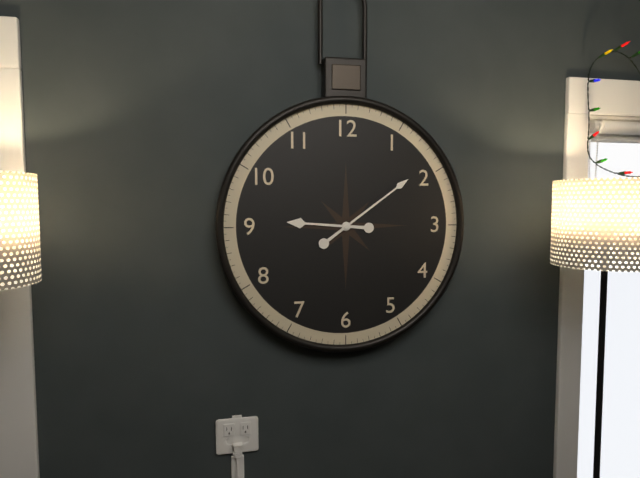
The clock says 9:09
